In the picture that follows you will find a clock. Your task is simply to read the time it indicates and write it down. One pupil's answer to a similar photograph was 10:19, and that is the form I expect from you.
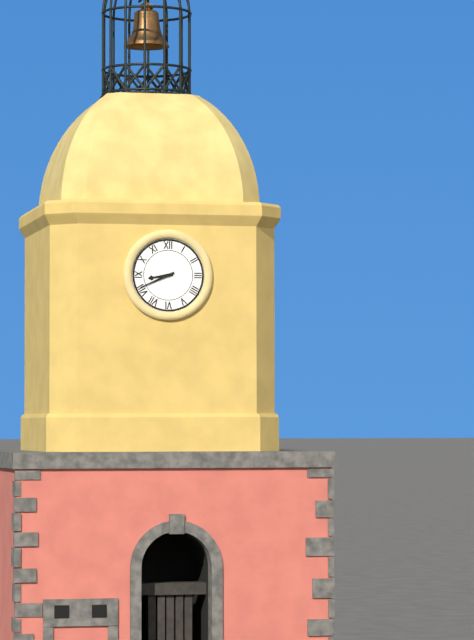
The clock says 8:41
